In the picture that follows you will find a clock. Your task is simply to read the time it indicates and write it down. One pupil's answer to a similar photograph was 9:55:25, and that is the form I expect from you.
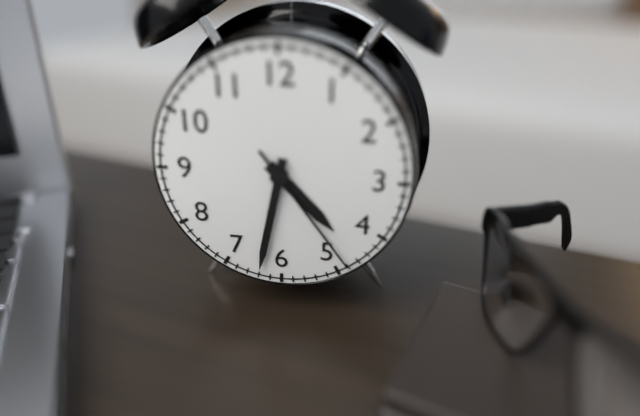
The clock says 4:32:24
